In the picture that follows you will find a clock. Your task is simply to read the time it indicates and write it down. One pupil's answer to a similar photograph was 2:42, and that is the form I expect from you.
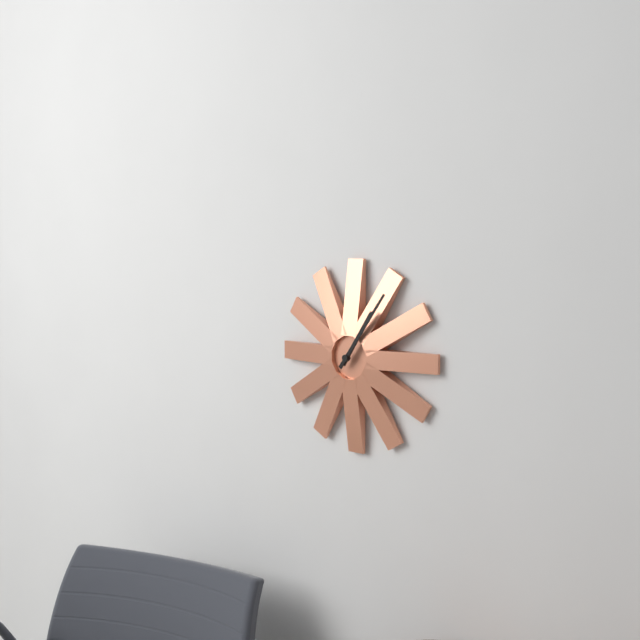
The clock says 1:06
